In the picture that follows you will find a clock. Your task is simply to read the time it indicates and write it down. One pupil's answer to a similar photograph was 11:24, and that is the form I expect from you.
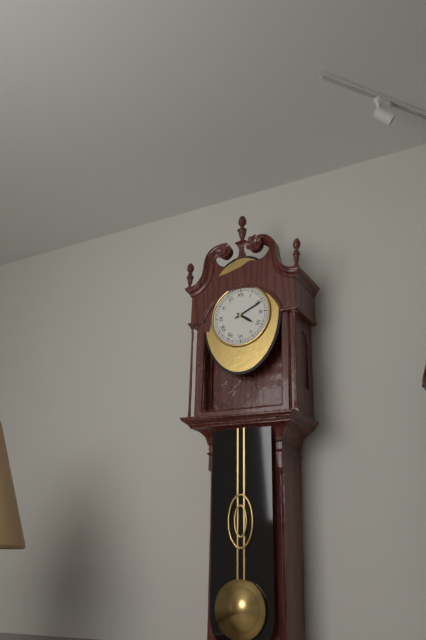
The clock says 4:11
